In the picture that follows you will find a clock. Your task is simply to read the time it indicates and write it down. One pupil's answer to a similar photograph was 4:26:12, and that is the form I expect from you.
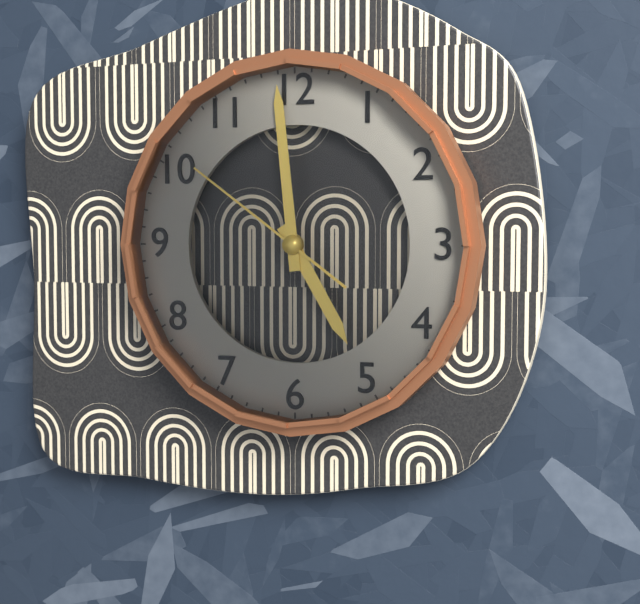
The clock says 4:59:51
